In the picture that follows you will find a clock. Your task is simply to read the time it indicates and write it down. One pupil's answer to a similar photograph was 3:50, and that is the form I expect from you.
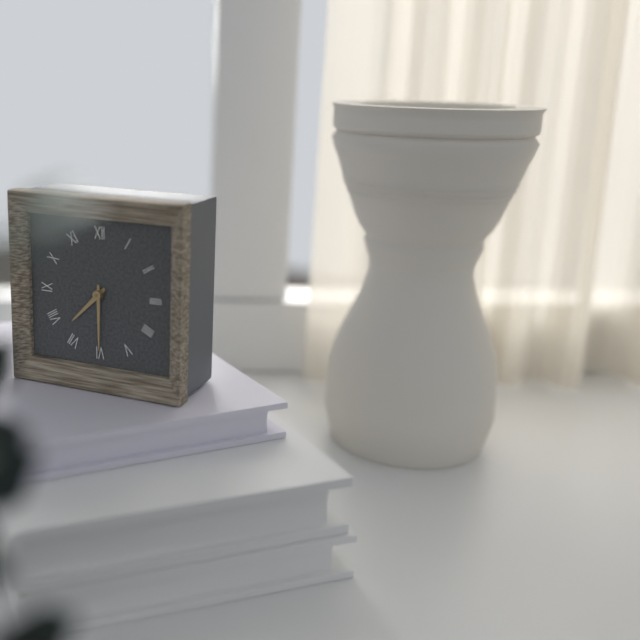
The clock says 7:30
